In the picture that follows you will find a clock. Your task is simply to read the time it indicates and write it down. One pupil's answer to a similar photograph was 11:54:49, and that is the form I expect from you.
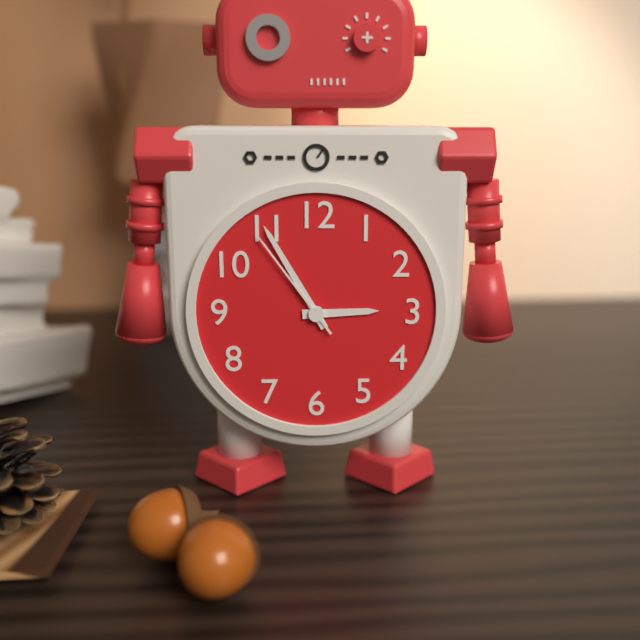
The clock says 2:55:54
